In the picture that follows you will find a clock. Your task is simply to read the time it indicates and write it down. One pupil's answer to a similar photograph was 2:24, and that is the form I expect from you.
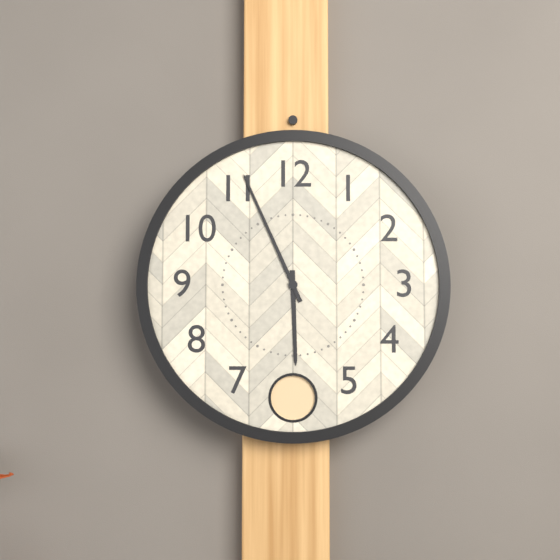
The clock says 5:56
